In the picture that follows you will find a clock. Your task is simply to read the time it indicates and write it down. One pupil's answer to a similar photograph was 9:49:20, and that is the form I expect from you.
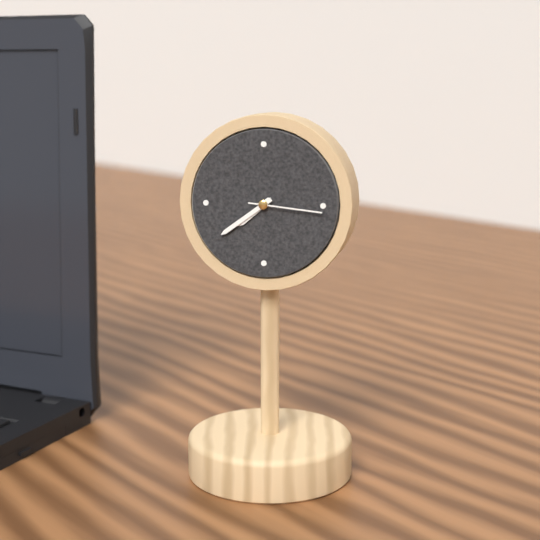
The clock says 7:39:16
